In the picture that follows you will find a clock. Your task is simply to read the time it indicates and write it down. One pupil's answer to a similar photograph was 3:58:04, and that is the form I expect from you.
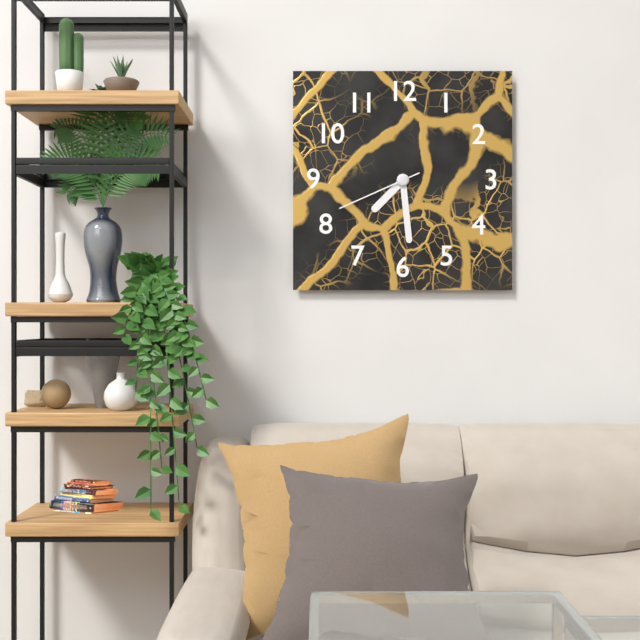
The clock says 7:29:41
